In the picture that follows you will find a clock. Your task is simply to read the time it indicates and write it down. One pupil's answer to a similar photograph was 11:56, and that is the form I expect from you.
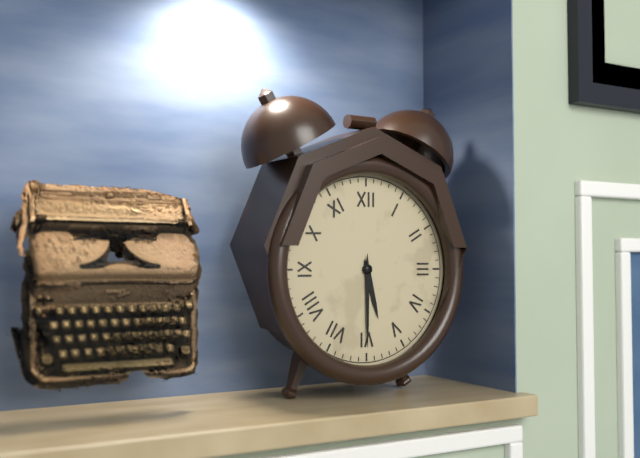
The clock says 5:30
